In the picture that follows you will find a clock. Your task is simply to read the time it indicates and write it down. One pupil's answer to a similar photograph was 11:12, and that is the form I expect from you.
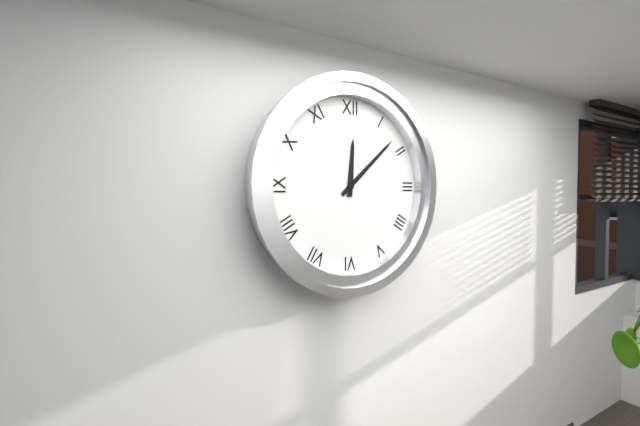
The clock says 12:08
